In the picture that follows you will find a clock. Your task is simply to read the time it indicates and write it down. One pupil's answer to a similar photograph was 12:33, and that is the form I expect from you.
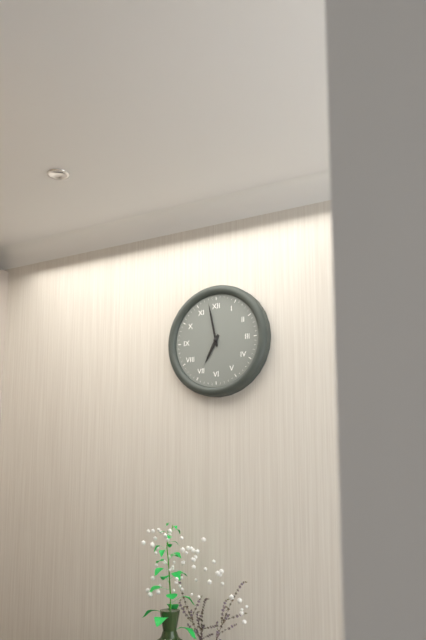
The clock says 6:58
